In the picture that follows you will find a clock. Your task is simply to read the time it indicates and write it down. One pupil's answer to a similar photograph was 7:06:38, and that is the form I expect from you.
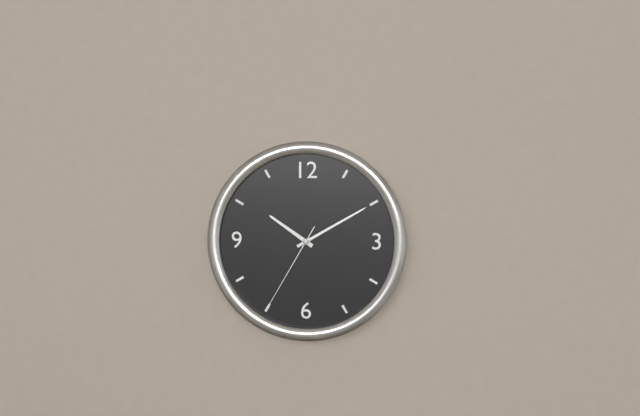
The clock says 10:10:35
